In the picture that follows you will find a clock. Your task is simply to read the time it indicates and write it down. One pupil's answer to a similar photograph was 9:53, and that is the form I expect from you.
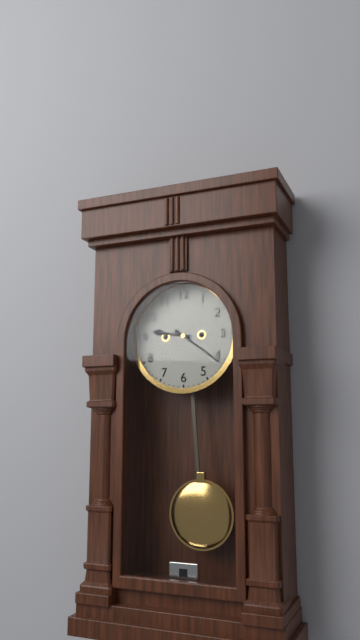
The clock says 9:21
